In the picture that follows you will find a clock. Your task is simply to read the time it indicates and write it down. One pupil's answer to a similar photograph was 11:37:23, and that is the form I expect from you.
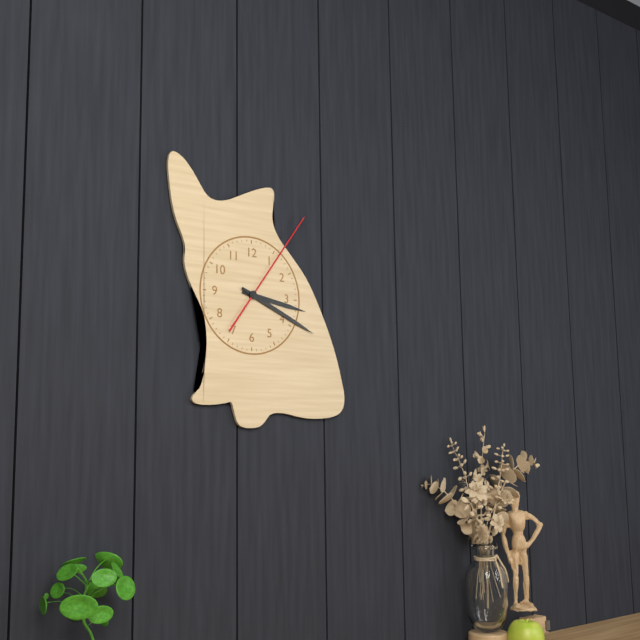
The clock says 3:19:06
